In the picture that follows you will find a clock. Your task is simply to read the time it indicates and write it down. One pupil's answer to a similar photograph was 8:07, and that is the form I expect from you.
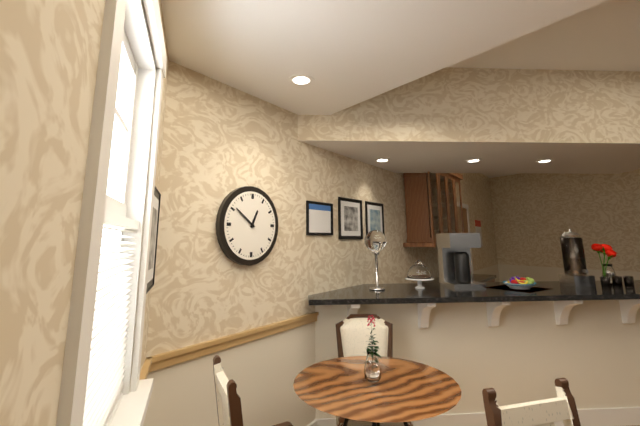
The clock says 12:51
